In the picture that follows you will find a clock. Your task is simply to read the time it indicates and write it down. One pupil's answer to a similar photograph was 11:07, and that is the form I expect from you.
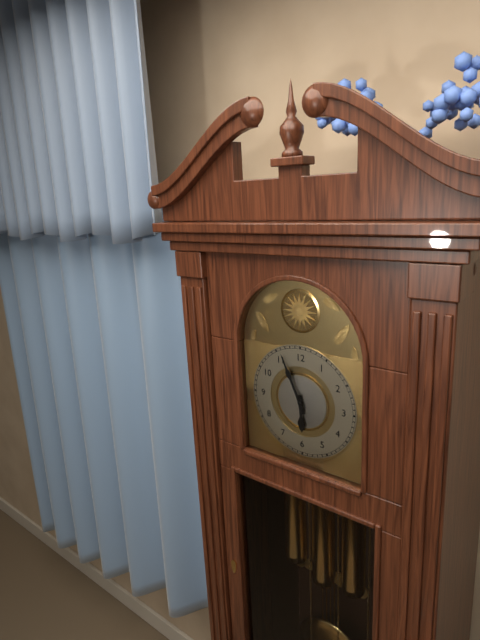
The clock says 5:56
